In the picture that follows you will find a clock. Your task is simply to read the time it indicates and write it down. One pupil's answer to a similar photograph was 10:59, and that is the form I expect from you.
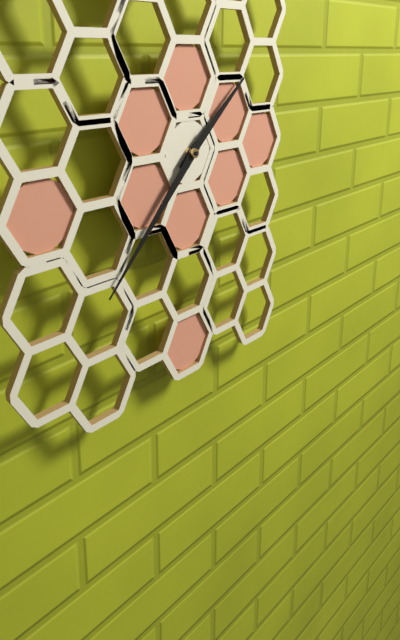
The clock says 1:37
